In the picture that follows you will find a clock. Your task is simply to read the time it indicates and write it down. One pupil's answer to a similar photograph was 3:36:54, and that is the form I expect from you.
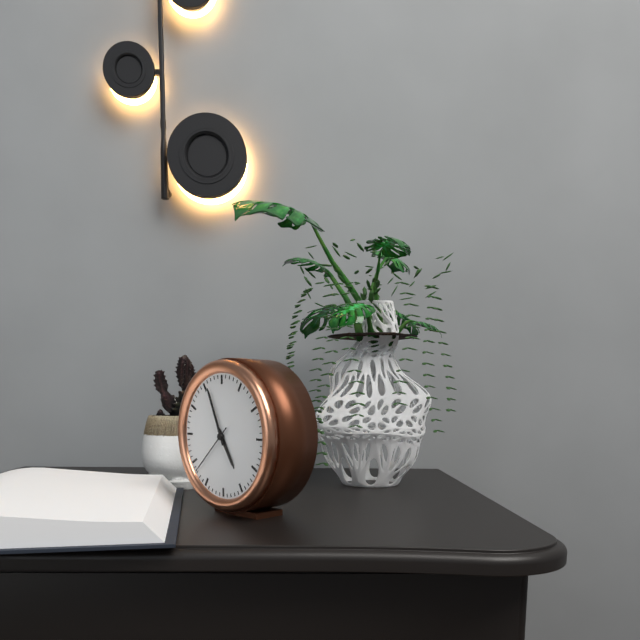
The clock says 4:56:38
